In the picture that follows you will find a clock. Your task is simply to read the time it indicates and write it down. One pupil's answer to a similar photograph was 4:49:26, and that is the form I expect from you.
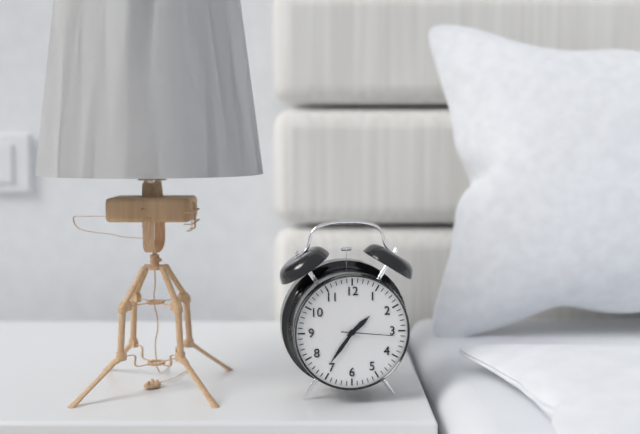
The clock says 1:36:16
